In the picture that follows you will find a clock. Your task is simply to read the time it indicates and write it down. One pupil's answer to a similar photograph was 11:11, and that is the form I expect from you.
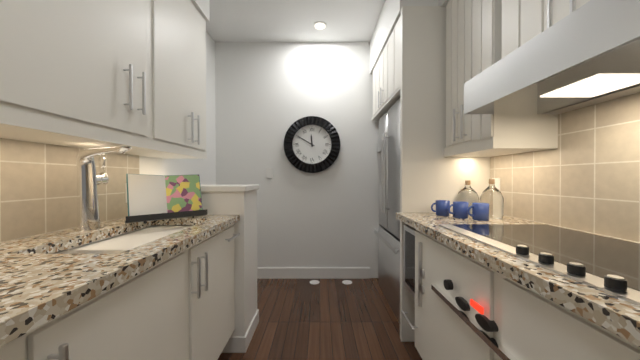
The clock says 11:50
